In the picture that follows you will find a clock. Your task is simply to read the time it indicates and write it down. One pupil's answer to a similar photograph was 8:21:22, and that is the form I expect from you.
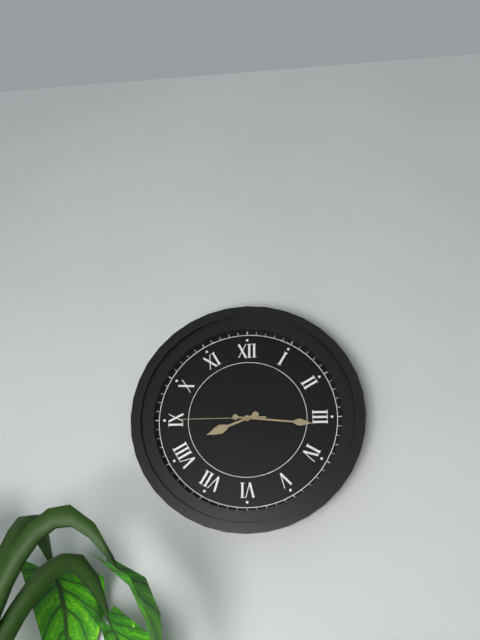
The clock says 8:16:45
